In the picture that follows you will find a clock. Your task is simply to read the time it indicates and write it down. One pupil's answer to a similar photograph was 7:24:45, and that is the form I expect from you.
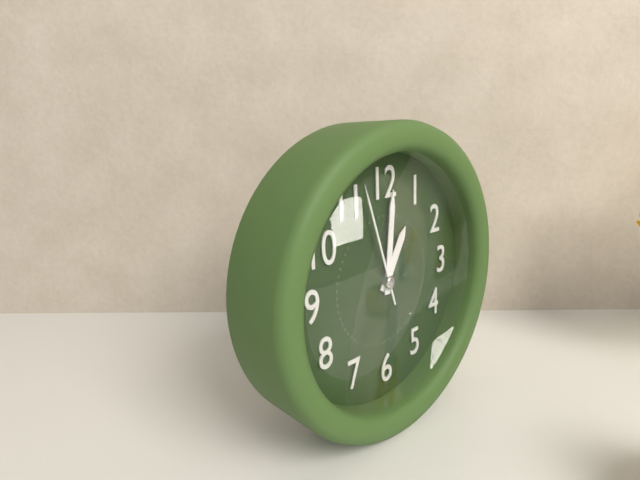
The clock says 1:01:57
